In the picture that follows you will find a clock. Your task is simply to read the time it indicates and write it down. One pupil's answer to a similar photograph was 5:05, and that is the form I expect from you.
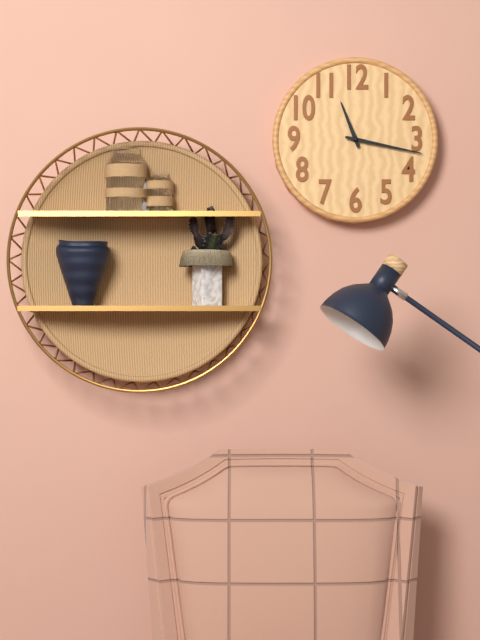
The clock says 11:17
